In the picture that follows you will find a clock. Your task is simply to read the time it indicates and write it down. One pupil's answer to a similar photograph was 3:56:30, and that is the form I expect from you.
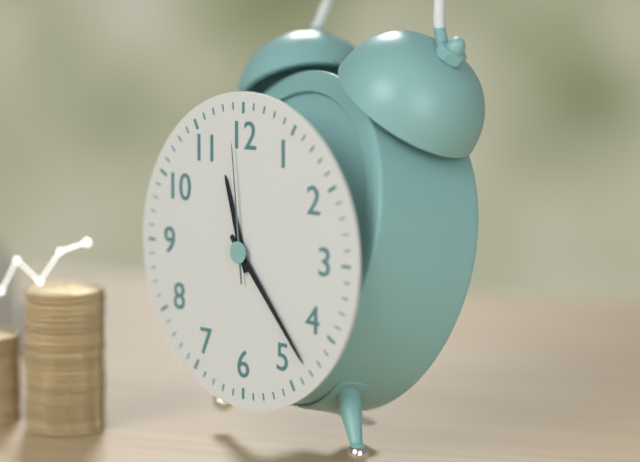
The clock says 11:23:59
